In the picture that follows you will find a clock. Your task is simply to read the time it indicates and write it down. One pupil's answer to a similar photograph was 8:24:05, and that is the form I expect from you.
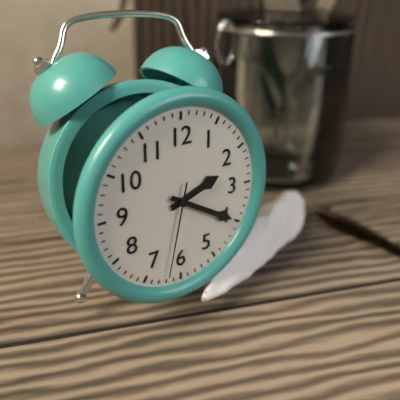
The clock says 2:20:32
